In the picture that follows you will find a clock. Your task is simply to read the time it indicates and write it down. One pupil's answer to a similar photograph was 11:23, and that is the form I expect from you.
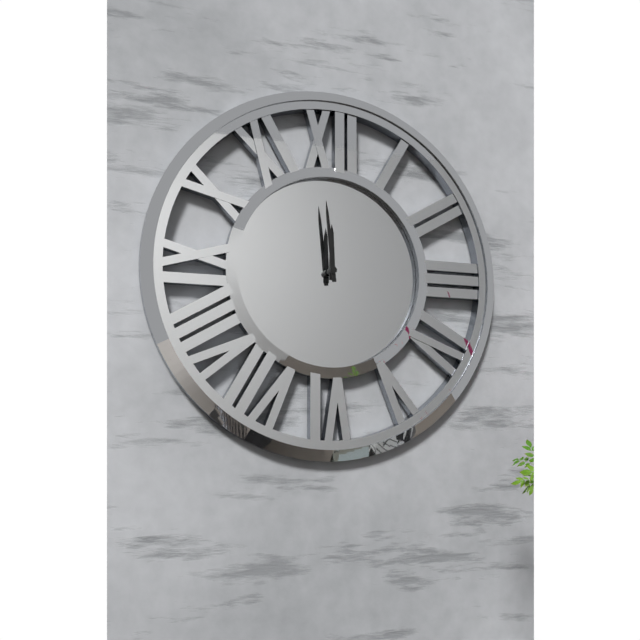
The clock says 11:59
